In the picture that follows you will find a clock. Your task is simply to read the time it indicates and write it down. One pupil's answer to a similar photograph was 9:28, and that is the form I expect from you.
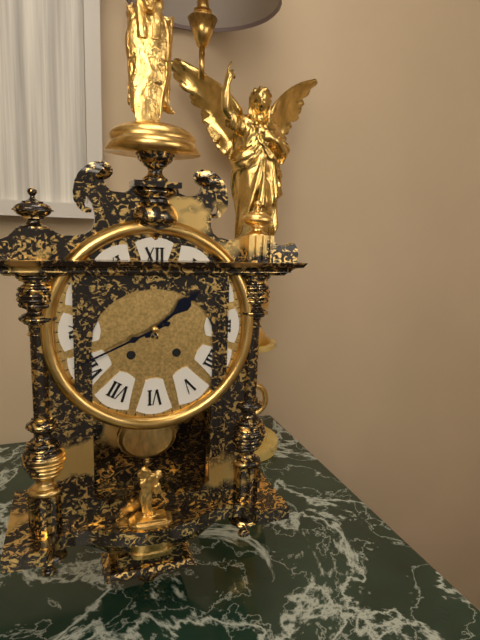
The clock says 1:41
